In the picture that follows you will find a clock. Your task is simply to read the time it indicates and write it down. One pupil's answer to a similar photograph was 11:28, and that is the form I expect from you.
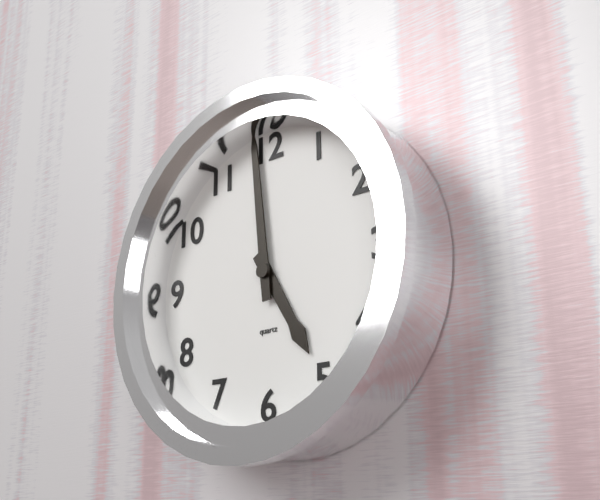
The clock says 4:59
